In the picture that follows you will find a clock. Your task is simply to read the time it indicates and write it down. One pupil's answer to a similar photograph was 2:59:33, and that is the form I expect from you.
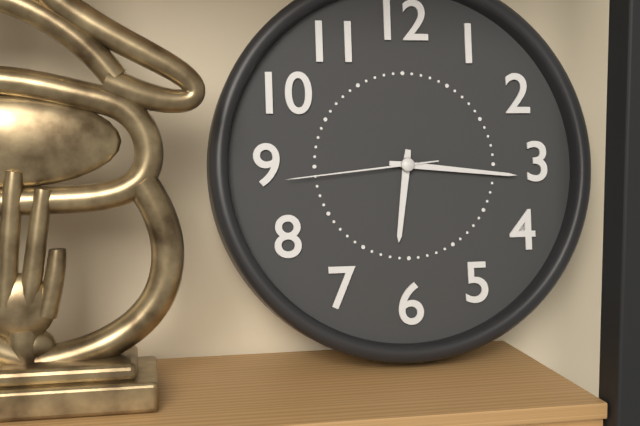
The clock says 6:16:44
